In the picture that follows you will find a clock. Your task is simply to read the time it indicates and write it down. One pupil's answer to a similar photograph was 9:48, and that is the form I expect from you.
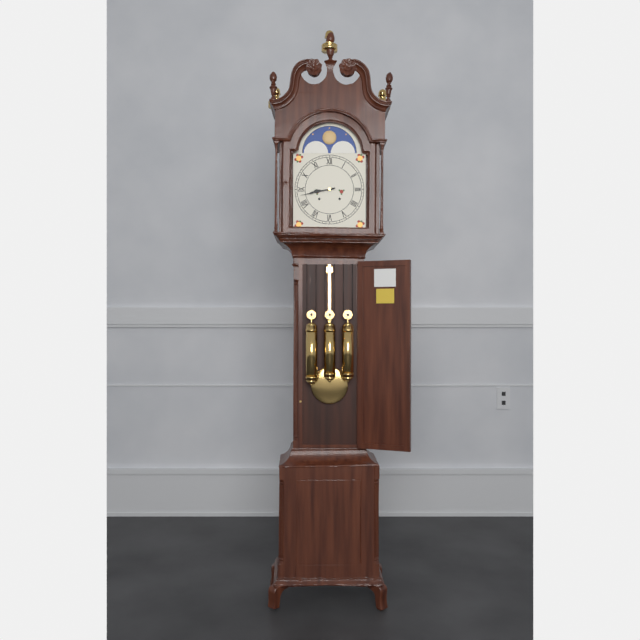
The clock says 8:43
